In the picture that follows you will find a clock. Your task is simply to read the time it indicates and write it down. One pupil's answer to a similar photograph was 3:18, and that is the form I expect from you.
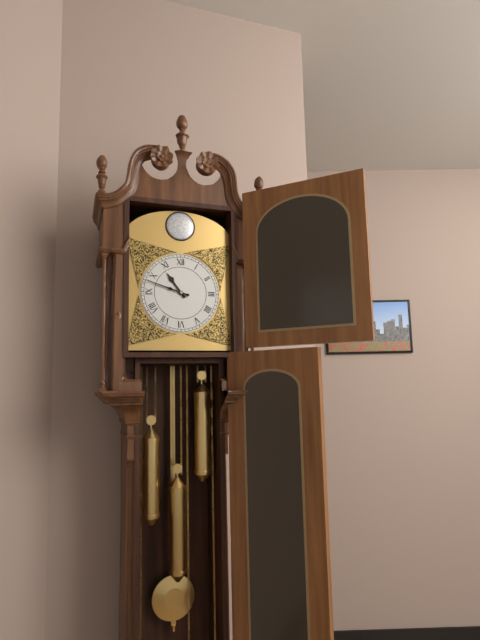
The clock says 10:48
